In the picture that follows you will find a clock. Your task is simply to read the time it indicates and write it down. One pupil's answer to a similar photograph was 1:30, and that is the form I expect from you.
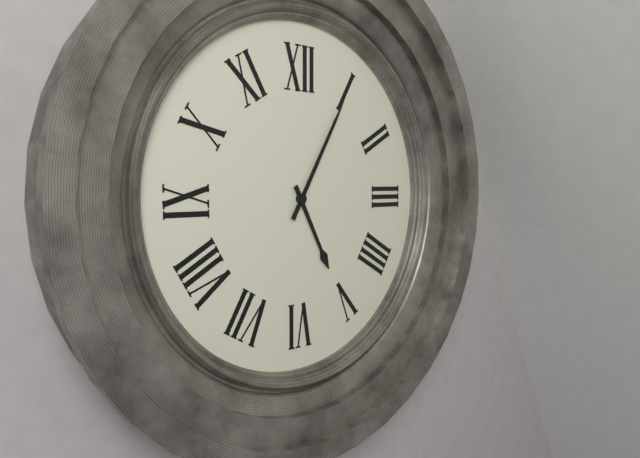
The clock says 5:05
